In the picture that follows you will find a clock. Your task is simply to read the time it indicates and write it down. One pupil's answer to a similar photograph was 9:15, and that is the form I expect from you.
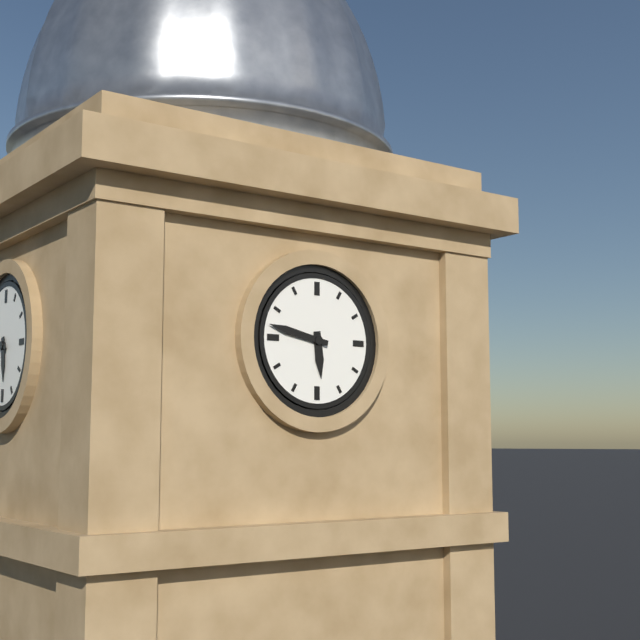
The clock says 5:47
